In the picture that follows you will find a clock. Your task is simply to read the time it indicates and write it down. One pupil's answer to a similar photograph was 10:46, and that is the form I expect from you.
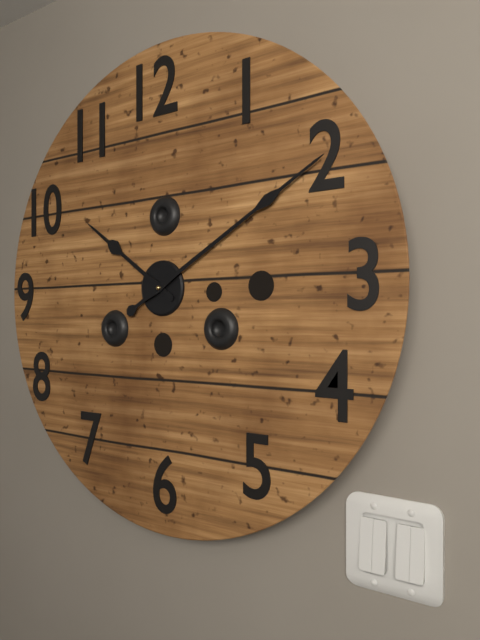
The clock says 10:10
